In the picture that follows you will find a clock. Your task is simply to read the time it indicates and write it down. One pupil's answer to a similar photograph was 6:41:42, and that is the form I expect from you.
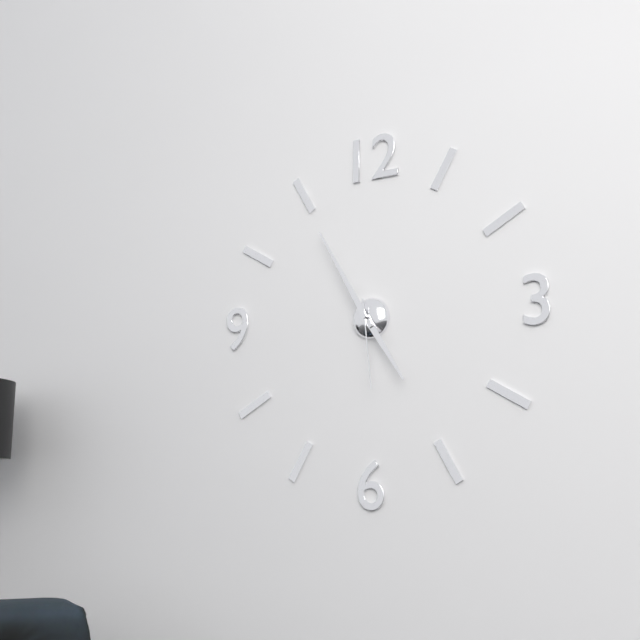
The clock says 4:55:29
